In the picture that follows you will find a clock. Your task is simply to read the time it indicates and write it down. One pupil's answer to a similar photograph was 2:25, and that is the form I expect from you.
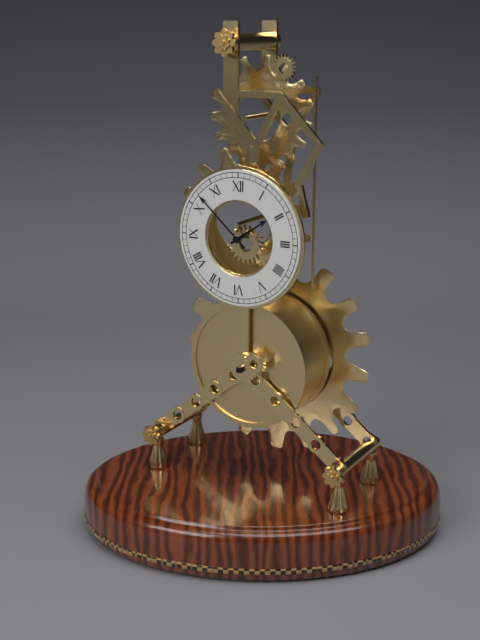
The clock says 1:52
